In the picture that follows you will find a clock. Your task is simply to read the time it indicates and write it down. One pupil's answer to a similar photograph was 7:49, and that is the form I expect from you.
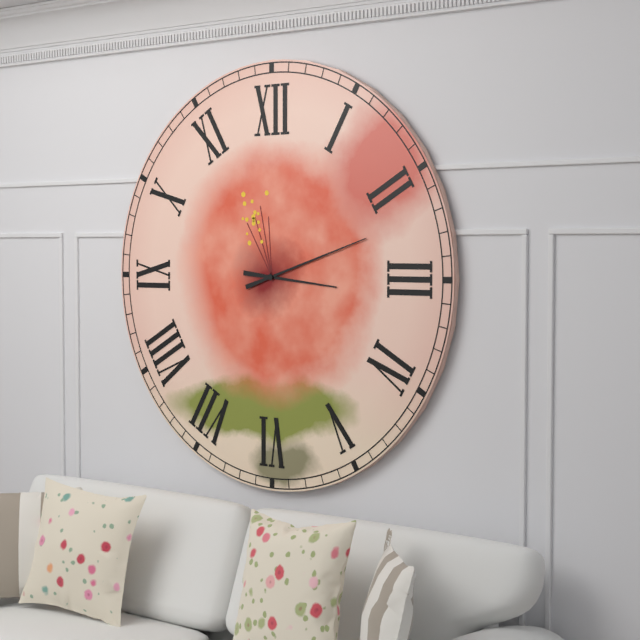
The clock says 3:12
